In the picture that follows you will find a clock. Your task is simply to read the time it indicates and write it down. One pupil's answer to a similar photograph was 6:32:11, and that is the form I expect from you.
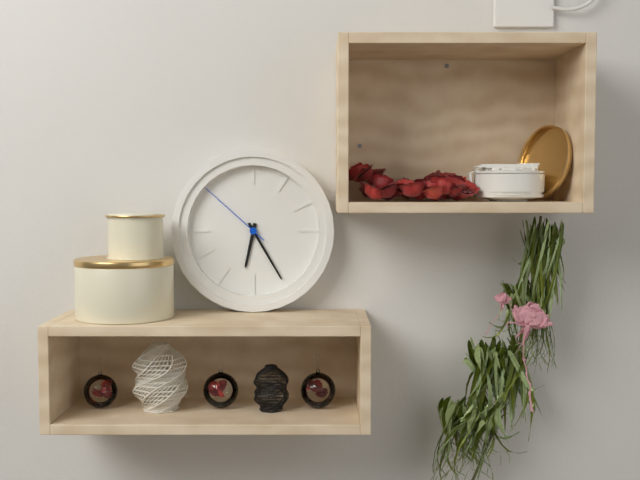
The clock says 6:25:52
